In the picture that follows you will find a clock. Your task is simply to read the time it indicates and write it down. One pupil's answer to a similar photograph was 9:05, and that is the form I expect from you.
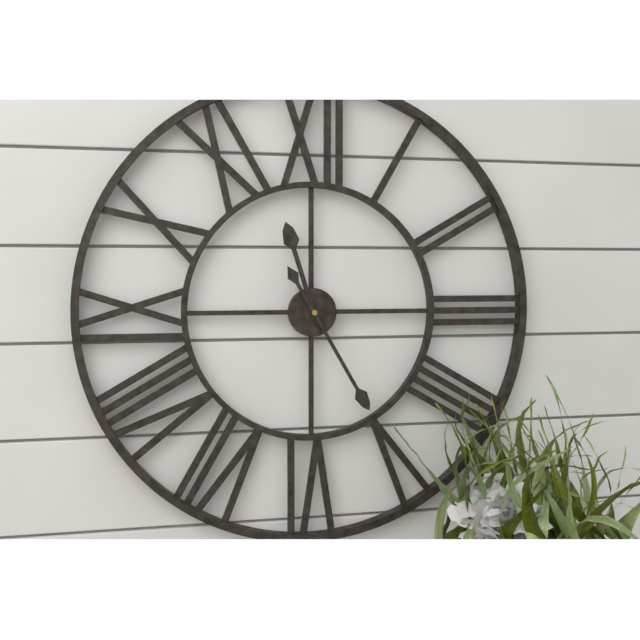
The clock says 11:25
